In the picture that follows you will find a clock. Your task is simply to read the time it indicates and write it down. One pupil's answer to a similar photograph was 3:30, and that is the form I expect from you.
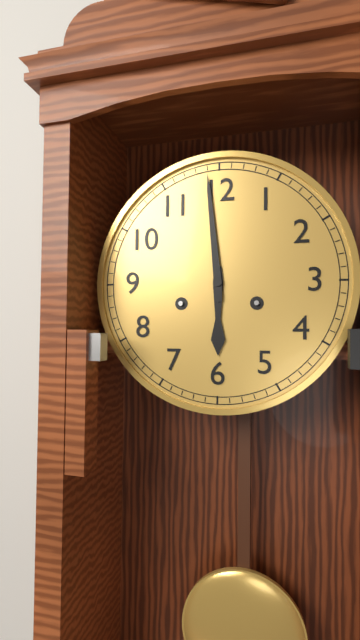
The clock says 5:59
